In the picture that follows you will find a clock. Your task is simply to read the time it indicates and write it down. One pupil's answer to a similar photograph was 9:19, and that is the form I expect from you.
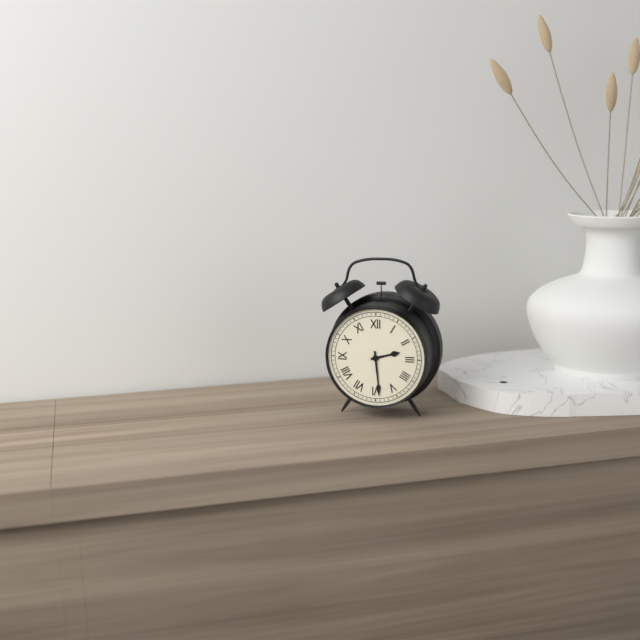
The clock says 2:29
